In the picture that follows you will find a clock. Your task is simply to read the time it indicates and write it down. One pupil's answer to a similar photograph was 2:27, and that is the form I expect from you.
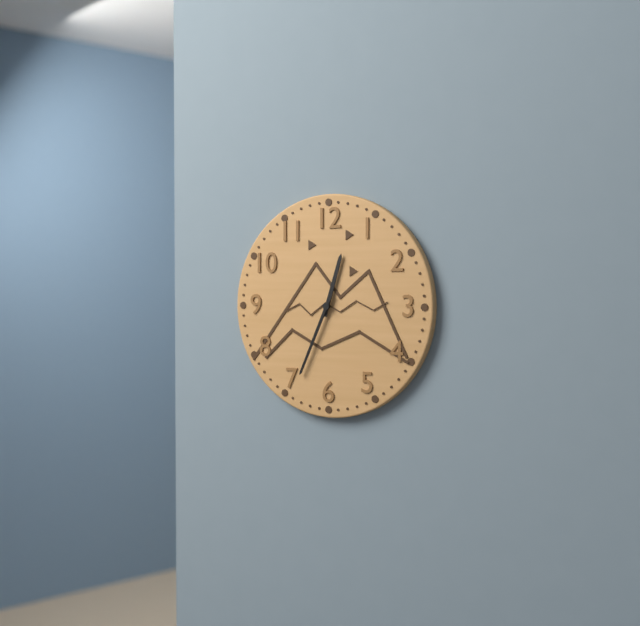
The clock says 12:34
